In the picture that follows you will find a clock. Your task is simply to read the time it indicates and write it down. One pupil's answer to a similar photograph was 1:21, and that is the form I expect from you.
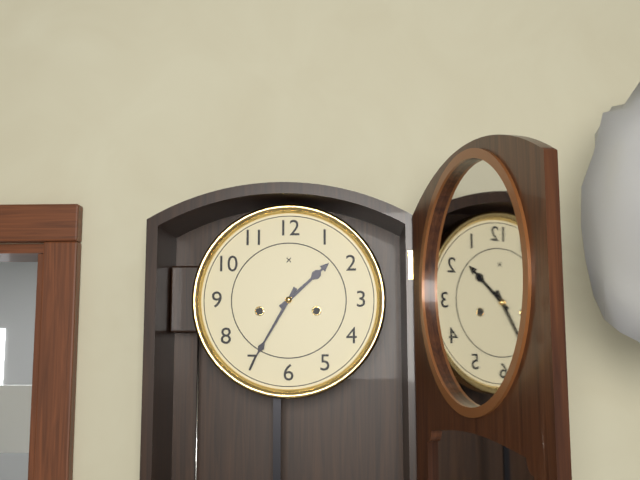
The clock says 1:35
